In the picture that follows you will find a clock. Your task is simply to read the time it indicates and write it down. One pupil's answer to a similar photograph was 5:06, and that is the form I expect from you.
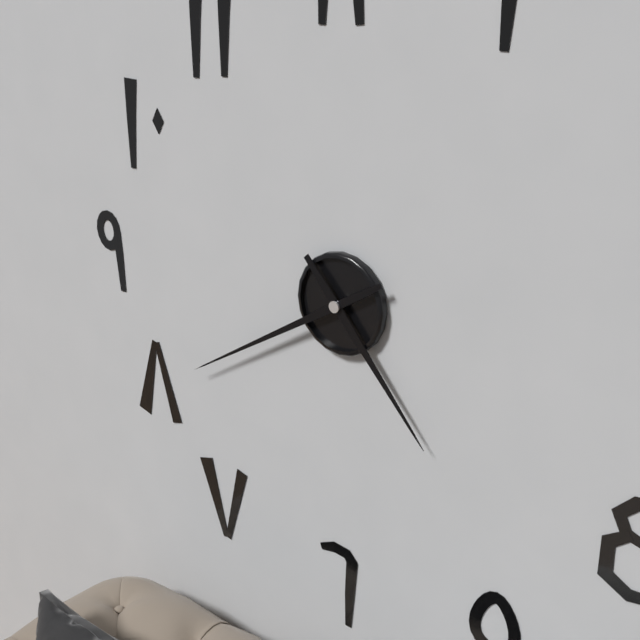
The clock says 4:40
